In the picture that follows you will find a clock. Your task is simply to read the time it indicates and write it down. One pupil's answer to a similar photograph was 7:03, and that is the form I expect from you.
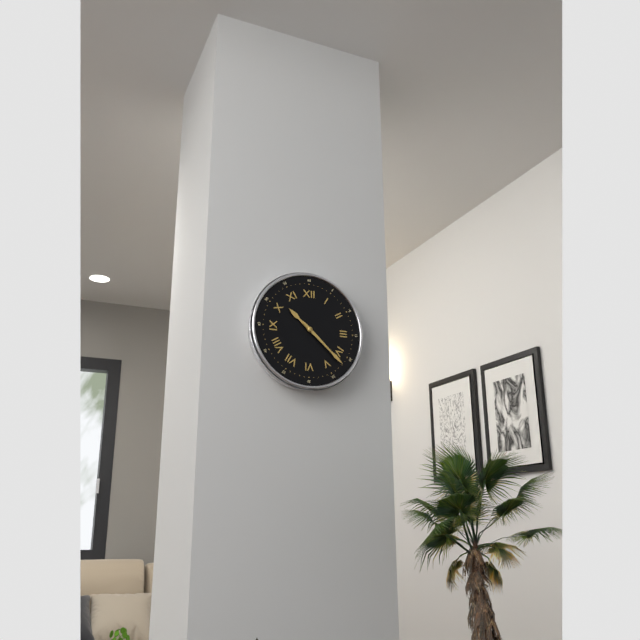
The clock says 10:22
